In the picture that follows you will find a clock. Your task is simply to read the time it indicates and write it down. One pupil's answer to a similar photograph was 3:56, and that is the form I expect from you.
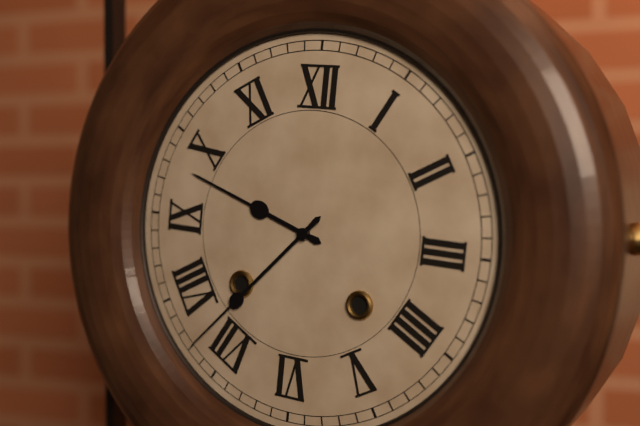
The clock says 9:37
